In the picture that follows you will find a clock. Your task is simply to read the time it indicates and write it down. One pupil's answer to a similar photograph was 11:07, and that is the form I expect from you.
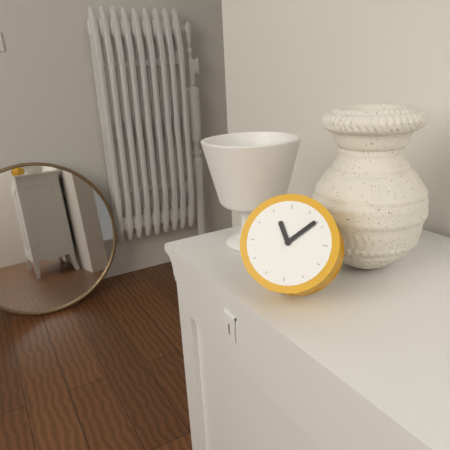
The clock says 11:08
